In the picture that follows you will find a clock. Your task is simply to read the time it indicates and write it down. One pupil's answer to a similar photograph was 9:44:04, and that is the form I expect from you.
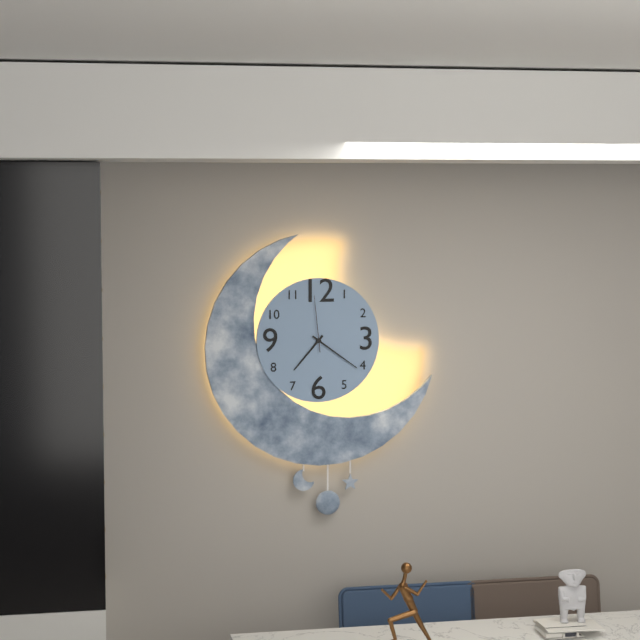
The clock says 7:21:59
